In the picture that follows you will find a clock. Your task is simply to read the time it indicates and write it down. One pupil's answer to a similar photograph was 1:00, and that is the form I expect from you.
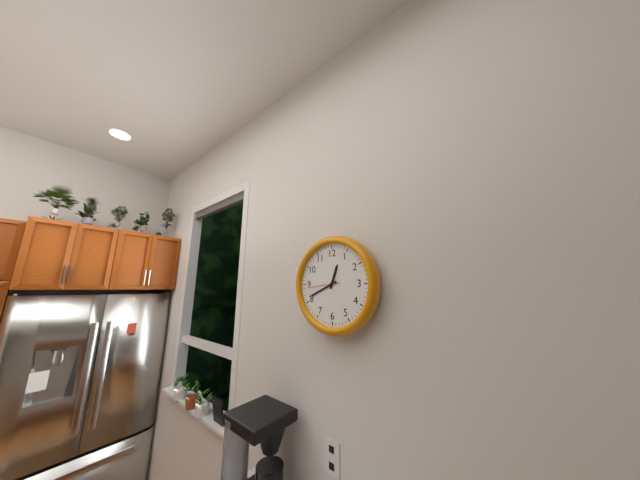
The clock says 12:41
